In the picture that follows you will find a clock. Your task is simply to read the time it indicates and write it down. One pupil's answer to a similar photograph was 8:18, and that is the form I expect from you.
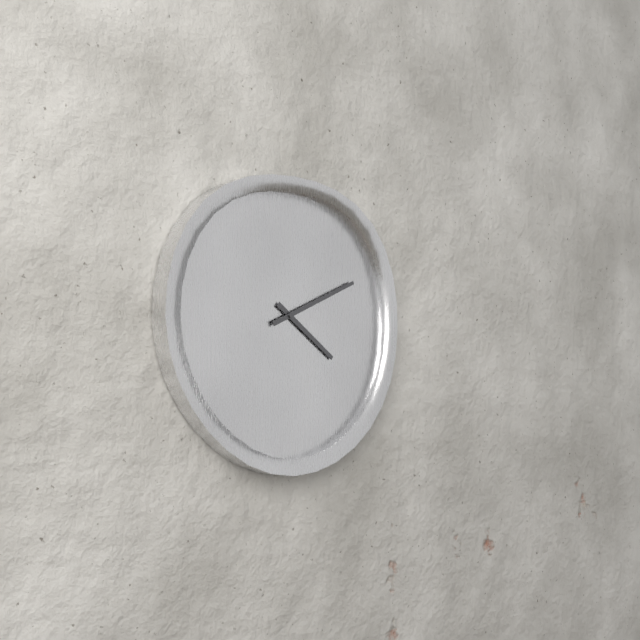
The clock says 4:11
